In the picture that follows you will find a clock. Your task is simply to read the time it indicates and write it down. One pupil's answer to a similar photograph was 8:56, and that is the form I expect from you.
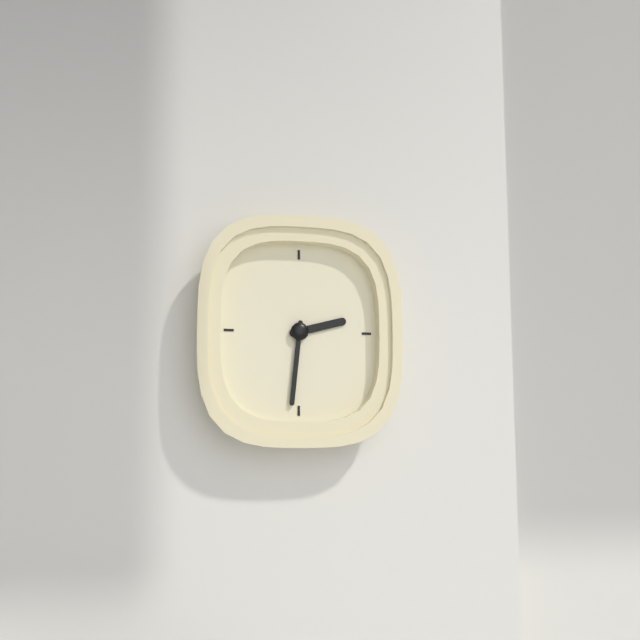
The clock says 2:31
